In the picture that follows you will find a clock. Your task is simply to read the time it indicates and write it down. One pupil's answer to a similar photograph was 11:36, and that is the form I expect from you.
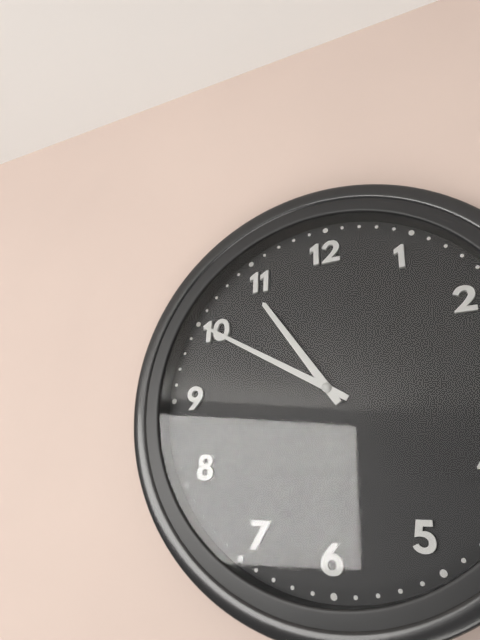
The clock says 10:50
